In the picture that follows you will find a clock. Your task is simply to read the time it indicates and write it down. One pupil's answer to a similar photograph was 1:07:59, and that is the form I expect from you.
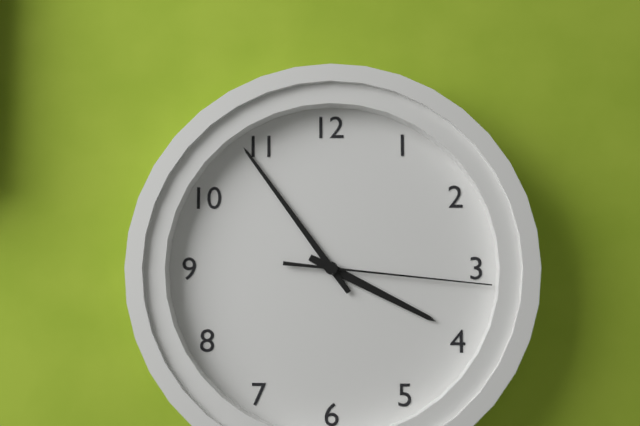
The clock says 3:54:16
